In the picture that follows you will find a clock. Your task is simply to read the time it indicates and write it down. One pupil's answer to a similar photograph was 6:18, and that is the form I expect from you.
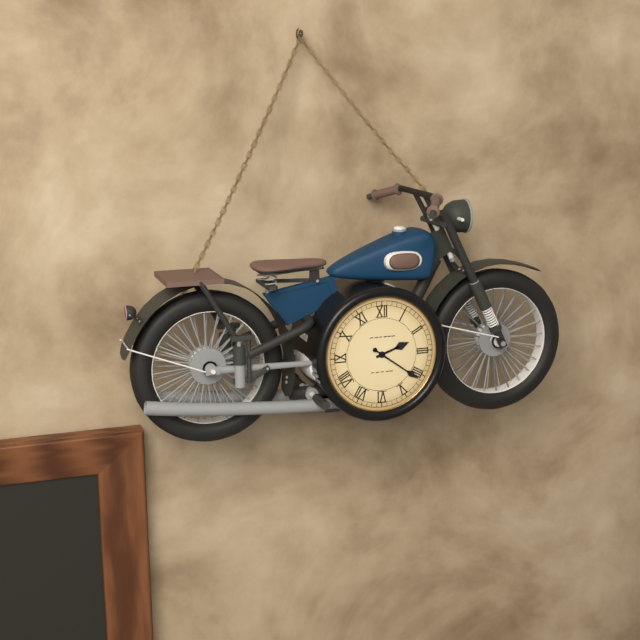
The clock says 2:21
